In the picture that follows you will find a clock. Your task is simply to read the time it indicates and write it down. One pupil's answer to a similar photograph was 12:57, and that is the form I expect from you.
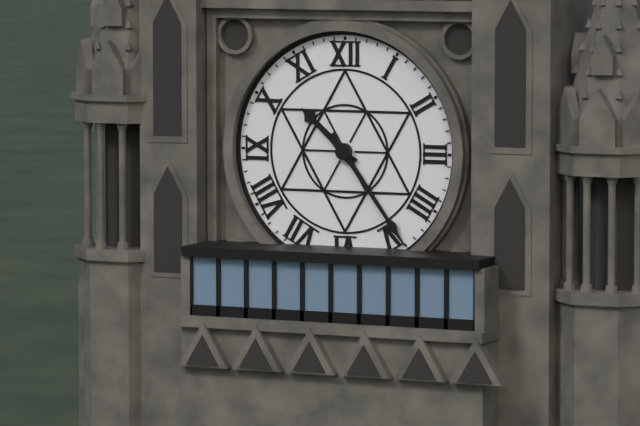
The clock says 10:24
